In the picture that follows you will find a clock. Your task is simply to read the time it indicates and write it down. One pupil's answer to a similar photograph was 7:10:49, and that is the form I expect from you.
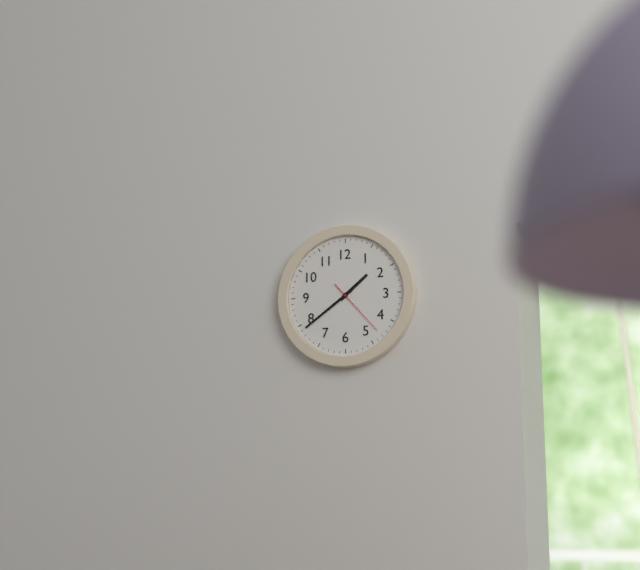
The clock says 1:39:23
